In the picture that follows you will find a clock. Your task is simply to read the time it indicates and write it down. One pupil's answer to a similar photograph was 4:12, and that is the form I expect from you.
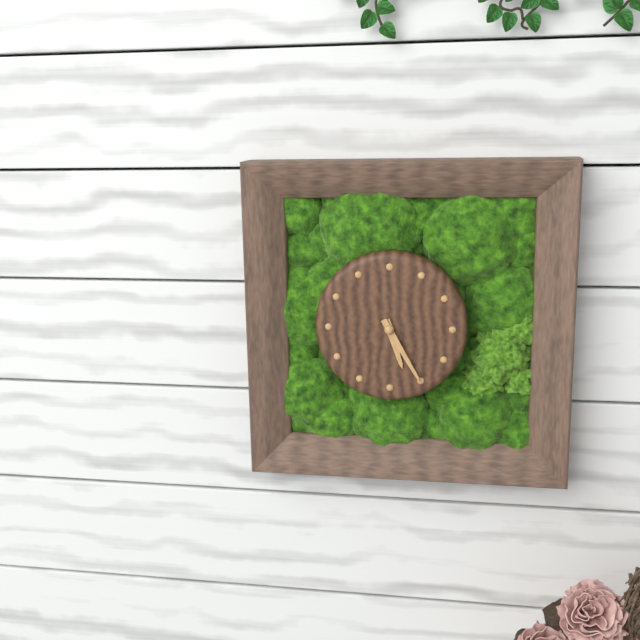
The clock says 5:25
